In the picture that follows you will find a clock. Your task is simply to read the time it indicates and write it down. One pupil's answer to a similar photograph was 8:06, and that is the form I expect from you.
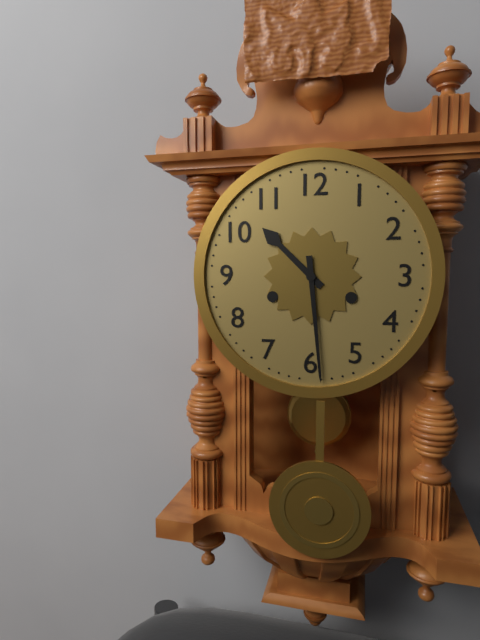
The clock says 10:29
